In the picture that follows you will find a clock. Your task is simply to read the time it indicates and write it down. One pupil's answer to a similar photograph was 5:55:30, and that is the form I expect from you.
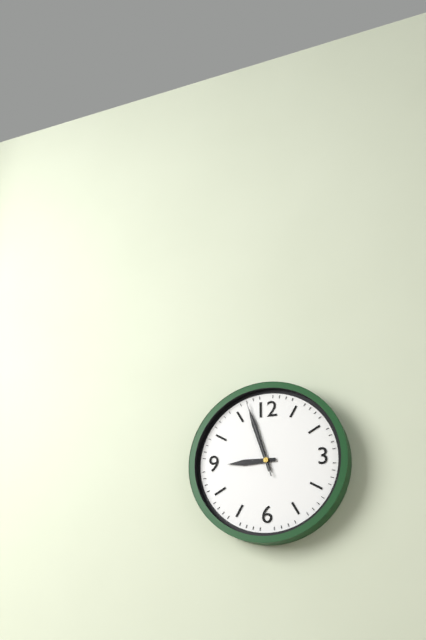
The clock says 8:57:57
